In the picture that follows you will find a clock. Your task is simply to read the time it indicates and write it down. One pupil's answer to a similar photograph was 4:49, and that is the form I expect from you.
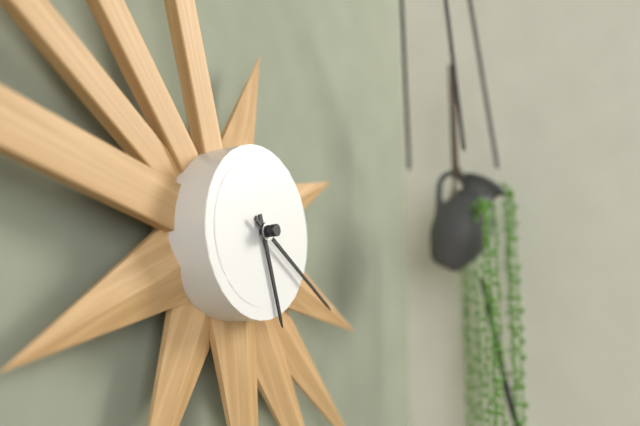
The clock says 5:20
